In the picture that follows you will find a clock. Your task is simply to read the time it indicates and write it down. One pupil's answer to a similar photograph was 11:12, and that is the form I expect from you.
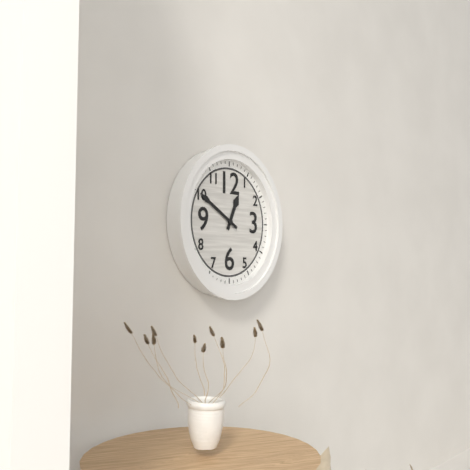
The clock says 12:50
